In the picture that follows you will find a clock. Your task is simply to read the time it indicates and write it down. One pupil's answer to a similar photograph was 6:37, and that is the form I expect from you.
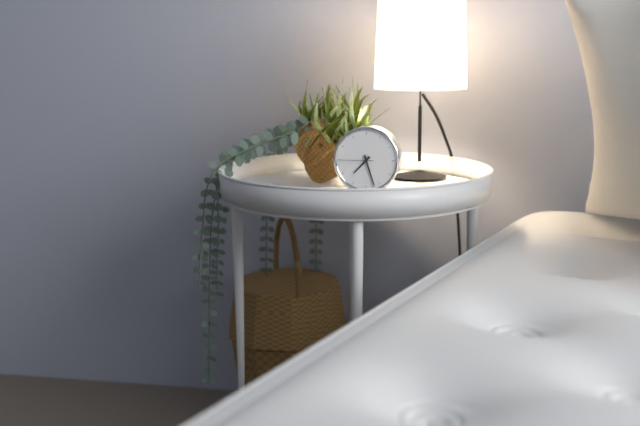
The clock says 7:27
